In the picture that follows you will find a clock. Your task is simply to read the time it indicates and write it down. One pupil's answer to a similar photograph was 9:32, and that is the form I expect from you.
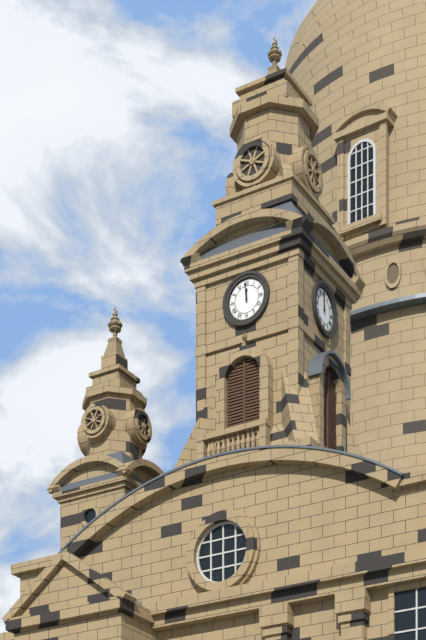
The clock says 11:59
